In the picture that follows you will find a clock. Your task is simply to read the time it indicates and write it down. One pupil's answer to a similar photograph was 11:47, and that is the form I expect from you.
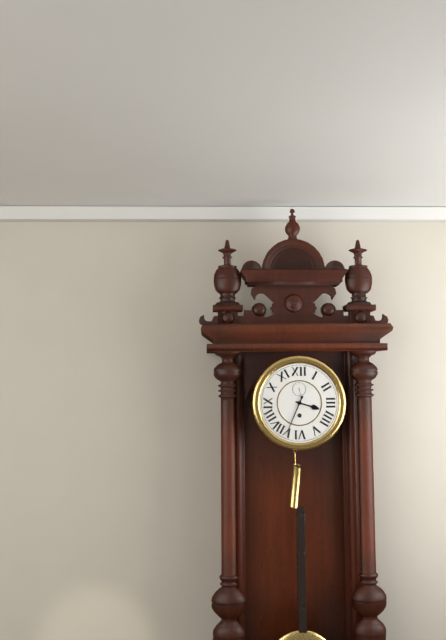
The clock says 3:34
